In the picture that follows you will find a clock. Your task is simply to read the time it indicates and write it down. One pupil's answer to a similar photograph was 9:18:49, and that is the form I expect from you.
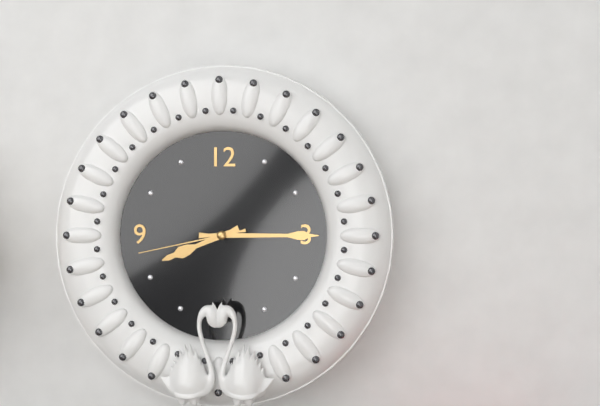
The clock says 8:15:43
